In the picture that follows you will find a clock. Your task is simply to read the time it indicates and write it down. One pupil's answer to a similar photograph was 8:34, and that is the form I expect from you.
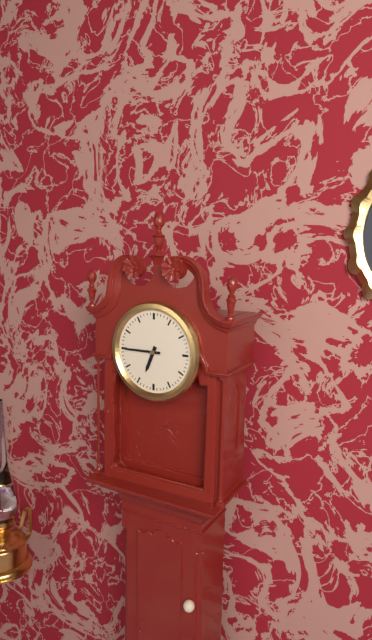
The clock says 6:45
